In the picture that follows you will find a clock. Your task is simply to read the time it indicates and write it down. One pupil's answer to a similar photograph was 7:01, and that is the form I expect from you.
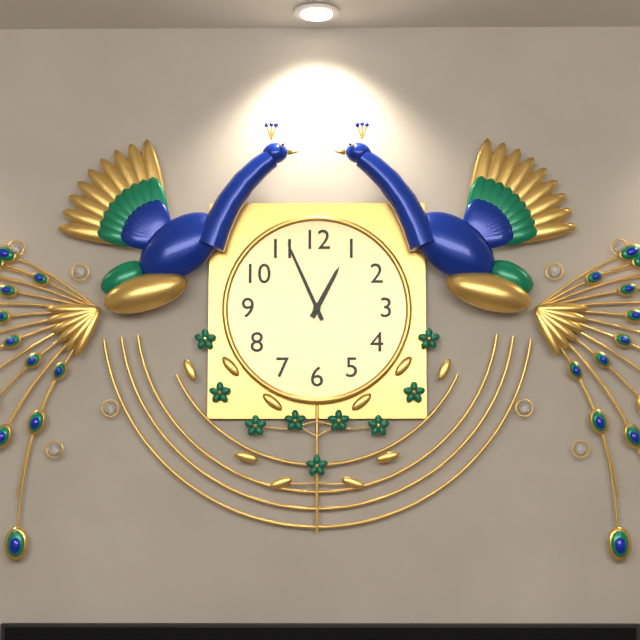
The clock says 12:56
